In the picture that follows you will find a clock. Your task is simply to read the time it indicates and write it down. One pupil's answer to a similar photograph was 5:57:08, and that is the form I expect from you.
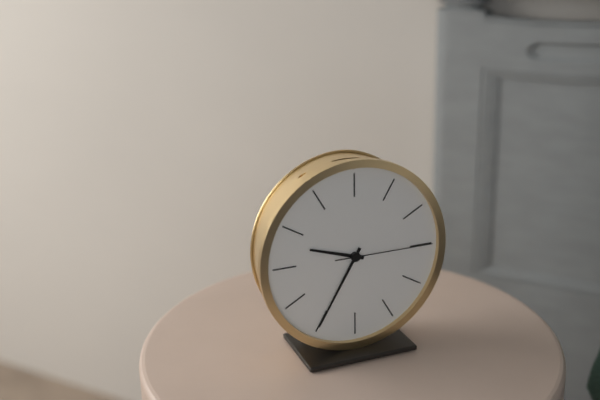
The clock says 9:35:15
